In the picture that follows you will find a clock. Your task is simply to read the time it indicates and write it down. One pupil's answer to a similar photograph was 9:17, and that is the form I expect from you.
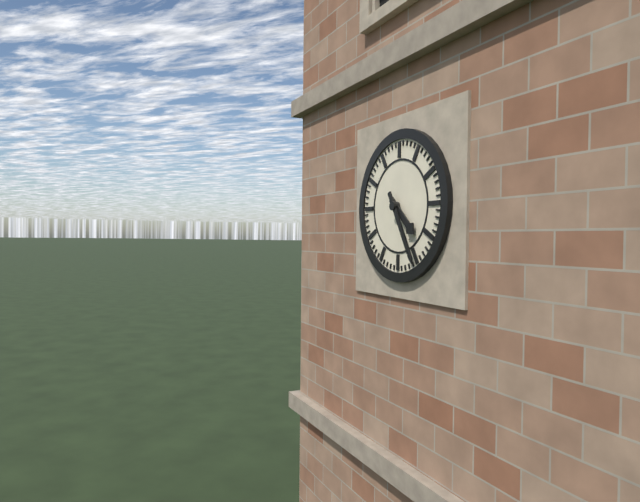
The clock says 4:25
